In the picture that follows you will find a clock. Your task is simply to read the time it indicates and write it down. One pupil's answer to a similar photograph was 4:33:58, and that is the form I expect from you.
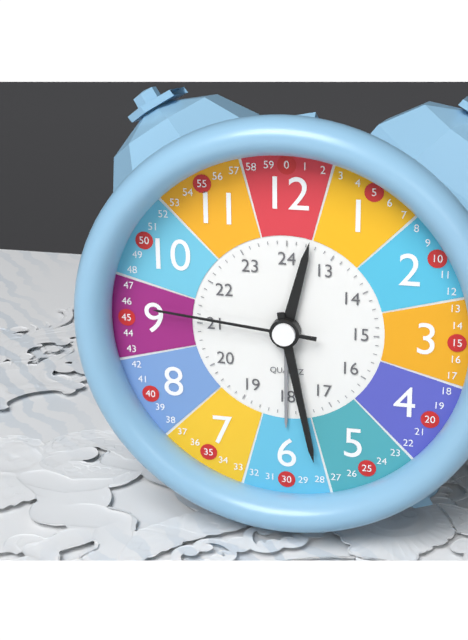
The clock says 12:28:46
